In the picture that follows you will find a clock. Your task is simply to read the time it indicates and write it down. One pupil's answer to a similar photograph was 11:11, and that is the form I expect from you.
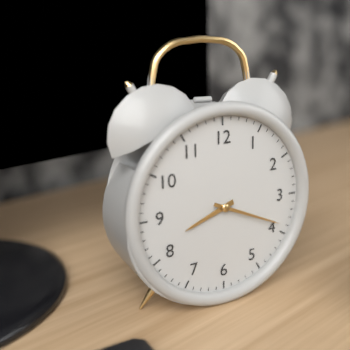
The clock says 8:19
